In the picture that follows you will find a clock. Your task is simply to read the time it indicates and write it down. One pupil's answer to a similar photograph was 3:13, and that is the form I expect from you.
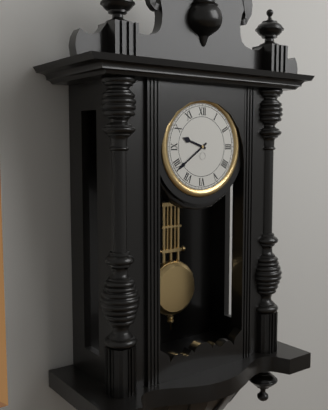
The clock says 9:39
